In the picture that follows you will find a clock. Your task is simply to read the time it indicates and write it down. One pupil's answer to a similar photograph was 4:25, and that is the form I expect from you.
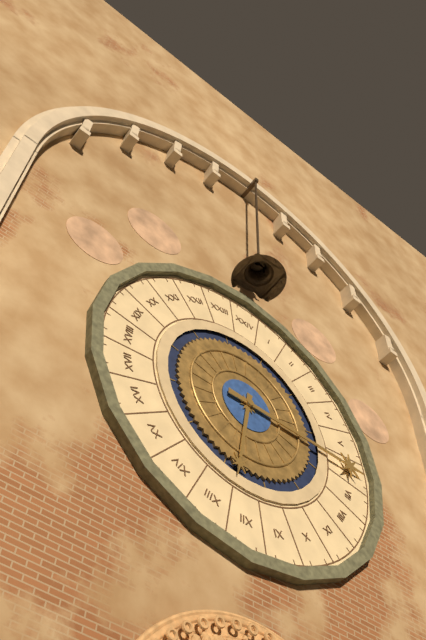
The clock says 6:15
